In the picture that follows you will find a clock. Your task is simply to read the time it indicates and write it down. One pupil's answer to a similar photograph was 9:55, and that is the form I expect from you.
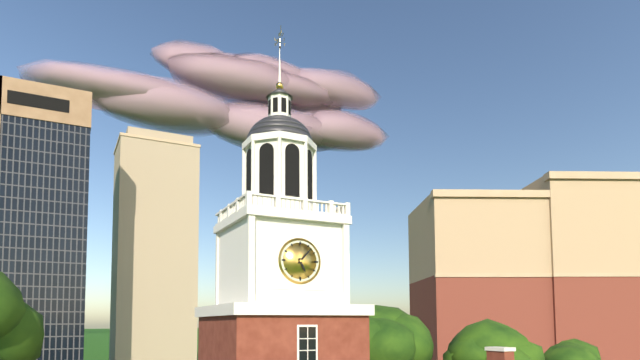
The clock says 5:07
